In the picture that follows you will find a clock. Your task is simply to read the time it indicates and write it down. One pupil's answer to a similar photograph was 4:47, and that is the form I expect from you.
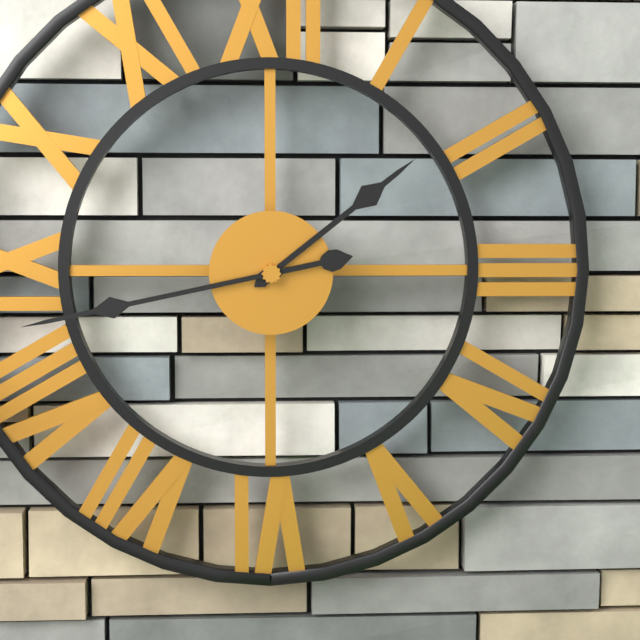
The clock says 1:43
